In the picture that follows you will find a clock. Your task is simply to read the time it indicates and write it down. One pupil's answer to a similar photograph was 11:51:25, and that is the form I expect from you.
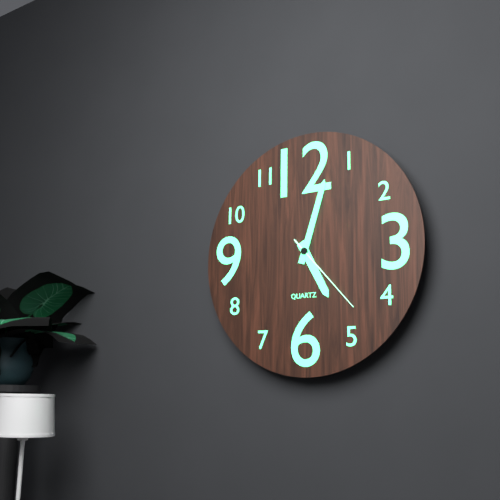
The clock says 5:03:23
